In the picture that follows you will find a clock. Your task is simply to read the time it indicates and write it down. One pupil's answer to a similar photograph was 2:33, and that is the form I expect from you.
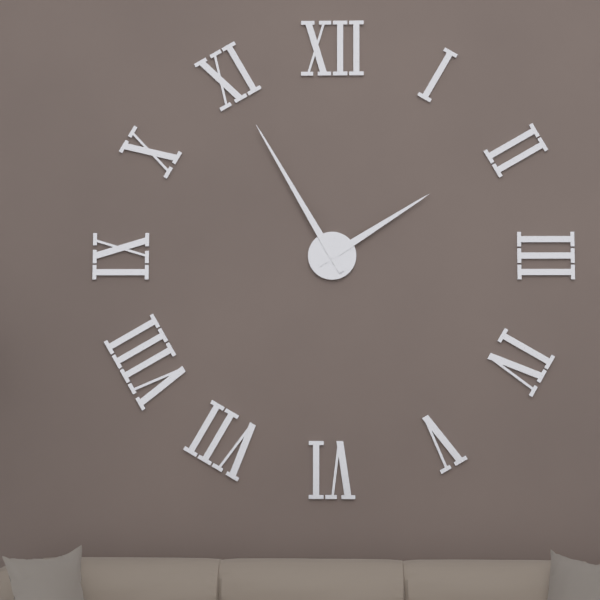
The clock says 1:55
